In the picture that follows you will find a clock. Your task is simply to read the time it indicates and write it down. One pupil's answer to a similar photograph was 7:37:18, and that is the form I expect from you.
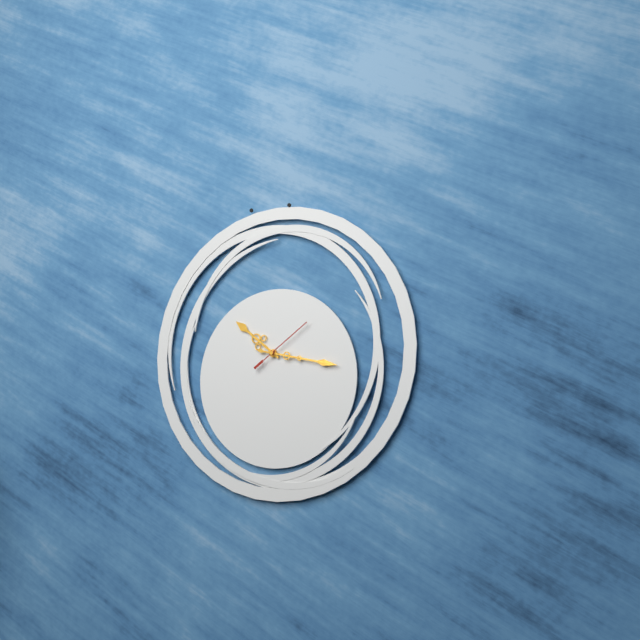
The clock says 10:17:09
